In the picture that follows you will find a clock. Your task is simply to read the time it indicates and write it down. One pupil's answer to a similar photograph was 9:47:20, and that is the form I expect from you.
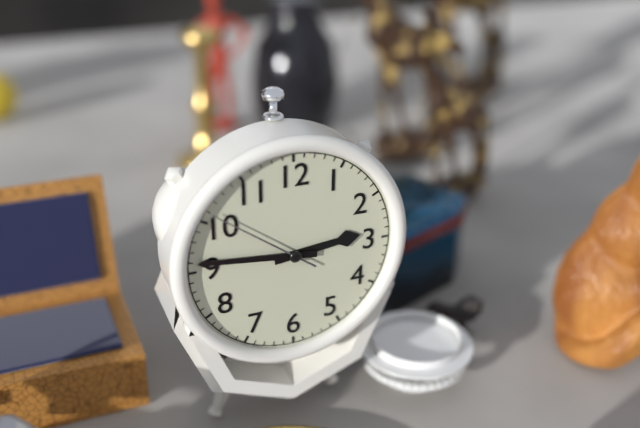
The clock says 2:46:51
